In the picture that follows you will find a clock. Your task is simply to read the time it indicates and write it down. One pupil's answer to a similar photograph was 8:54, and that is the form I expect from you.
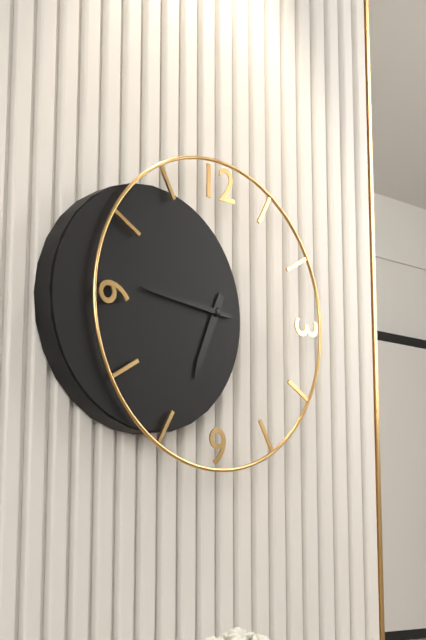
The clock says 6:46
